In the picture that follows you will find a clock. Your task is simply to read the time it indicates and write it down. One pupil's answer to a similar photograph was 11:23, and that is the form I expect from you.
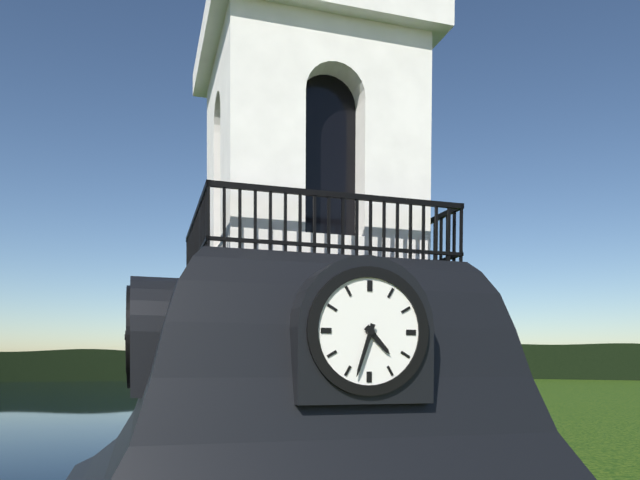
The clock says 4:33
